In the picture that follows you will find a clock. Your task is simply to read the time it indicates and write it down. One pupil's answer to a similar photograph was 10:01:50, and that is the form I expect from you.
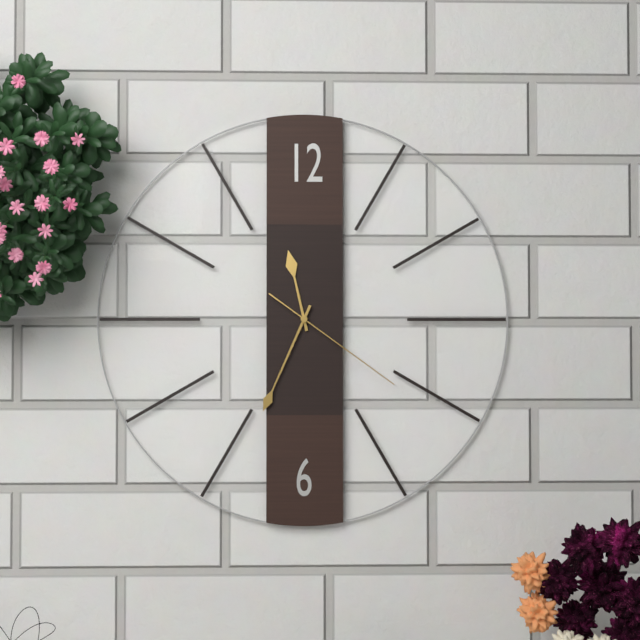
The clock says 11:34:21
